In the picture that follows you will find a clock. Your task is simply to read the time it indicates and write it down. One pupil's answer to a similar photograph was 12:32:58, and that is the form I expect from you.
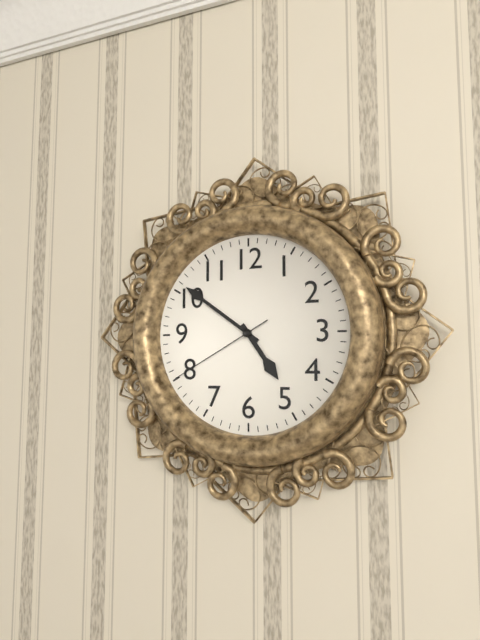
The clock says 4:51:40
